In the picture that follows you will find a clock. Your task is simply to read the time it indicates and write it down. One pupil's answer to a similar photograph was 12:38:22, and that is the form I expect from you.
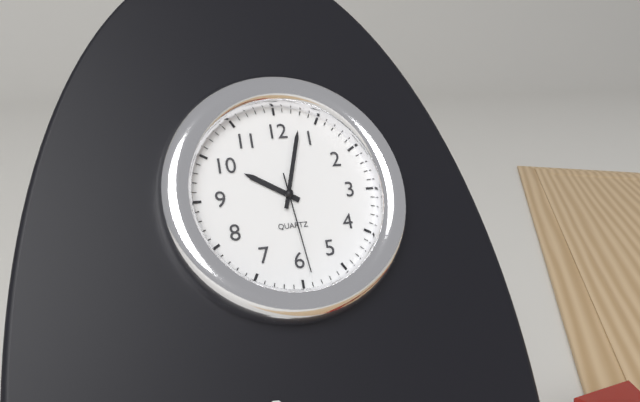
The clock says 10:03:29
